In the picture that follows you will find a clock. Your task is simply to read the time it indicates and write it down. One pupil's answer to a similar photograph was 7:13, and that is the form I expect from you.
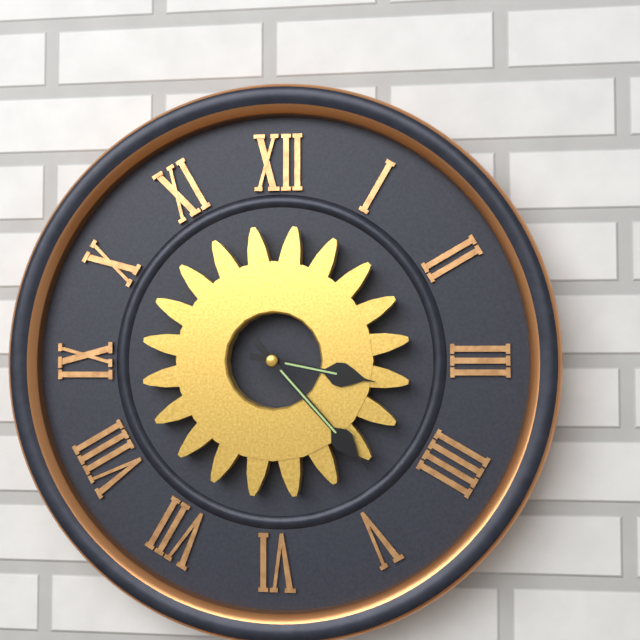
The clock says 3:23
